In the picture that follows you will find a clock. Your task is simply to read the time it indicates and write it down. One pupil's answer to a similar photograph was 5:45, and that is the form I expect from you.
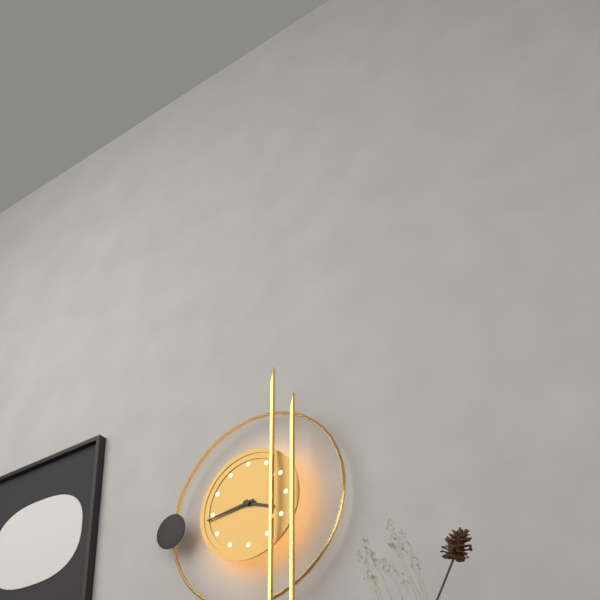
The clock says 3:44
